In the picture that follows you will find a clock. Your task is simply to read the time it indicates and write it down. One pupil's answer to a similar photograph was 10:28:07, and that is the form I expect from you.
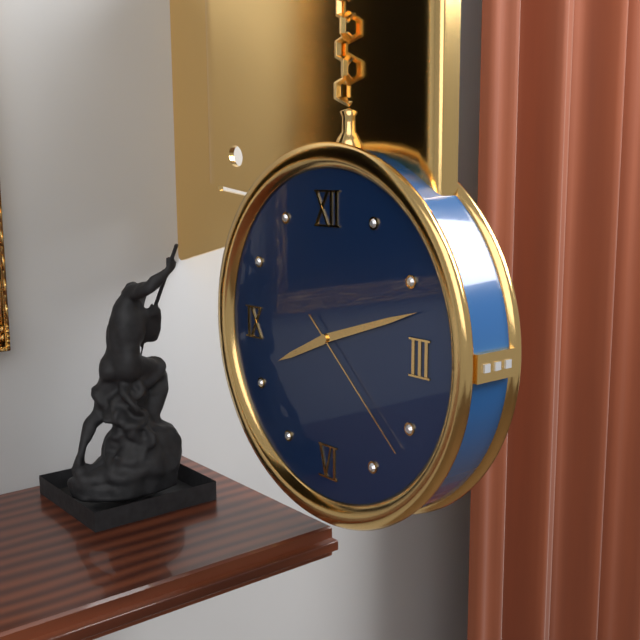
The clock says 8:12:22
